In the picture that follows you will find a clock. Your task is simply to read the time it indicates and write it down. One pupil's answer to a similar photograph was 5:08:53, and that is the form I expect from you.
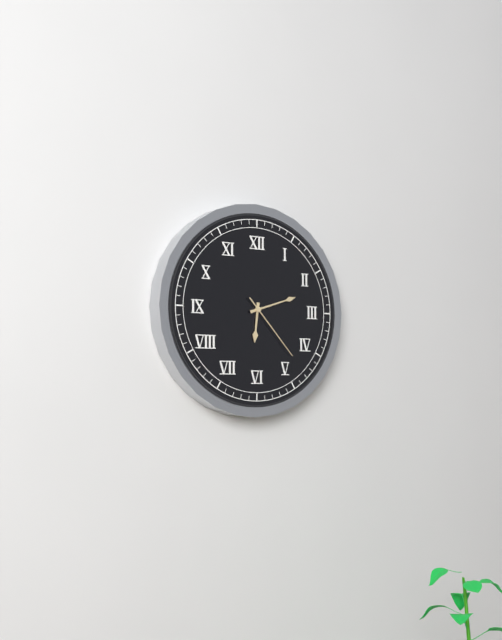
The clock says 6:12:23
